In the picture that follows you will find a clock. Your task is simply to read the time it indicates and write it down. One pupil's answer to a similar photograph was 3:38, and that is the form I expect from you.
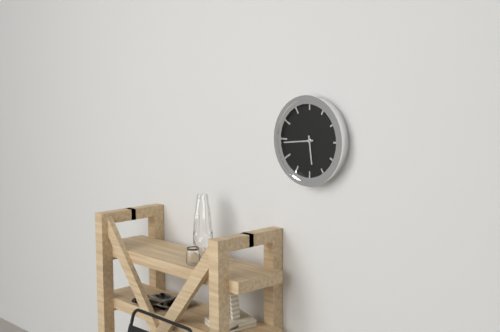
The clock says 5:44
